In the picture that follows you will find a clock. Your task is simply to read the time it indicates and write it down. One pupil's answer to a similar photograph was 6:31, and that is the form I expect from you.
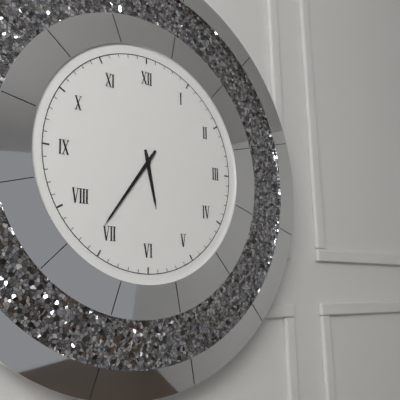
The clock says 5:36
